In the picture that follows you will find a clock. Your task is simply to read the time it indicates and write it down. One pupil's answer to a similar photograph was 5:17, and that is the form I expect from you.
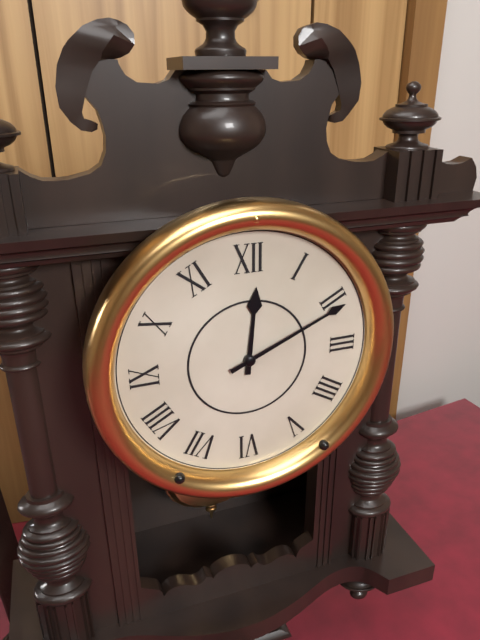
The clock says 12:11
